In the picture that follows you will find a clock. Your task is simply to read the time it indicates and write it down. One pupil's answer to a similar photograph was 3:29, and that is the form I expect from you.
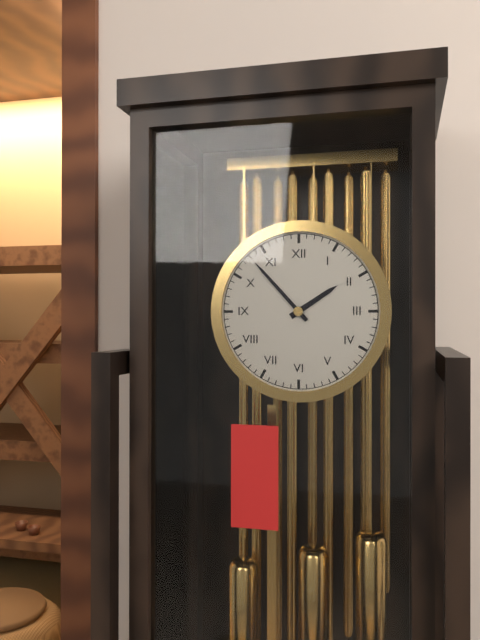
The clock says 1:53
